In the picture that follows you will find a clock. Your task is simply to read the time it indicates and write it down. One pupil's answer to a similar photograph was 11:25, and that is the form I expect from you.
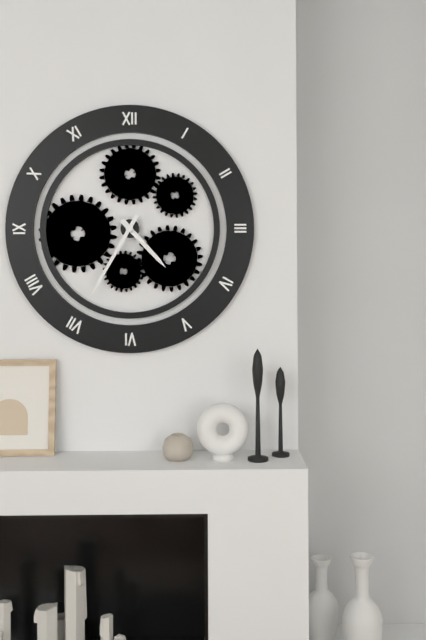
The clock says 4:35
